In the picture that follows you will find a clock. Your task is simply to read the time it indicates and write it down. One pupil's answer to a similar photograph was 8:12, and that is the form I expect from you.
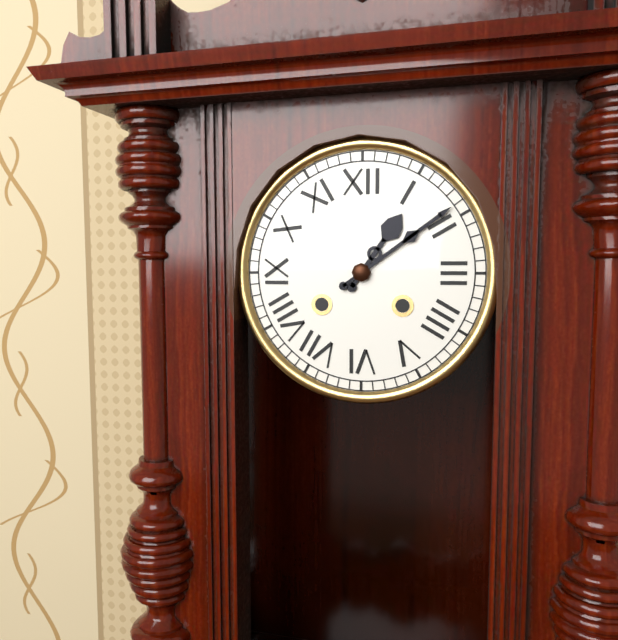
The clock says 1:09
